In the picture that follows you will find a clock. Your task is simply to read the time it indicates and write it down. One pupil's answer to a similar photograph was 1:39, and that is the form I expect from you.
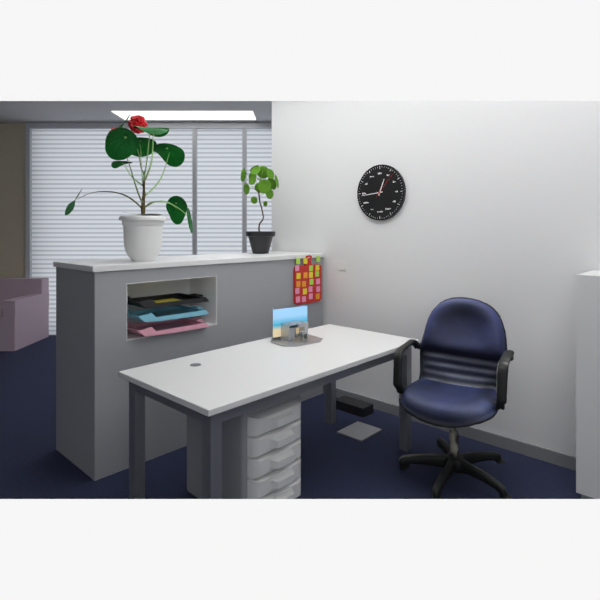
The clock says 12:44
